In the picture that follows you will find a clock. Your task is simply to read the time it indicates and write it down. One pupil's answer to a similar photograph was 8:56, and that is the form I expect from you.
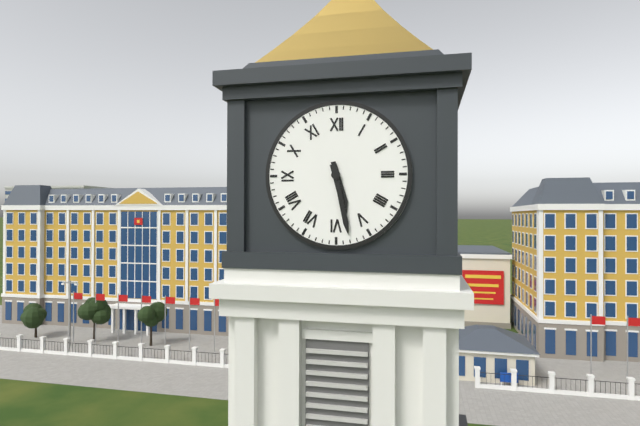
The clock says 5:28
